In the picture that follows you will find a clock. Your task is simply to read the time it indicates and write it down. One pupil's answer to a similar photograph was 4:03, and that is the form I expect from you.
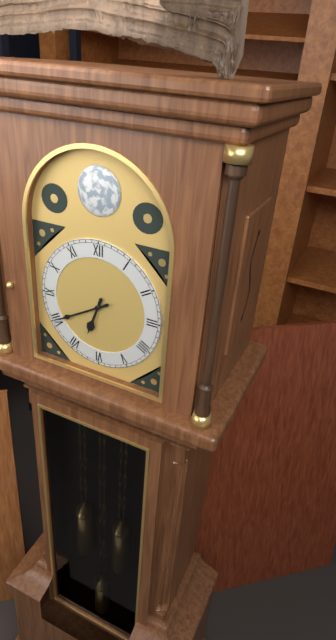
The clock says 6:40
